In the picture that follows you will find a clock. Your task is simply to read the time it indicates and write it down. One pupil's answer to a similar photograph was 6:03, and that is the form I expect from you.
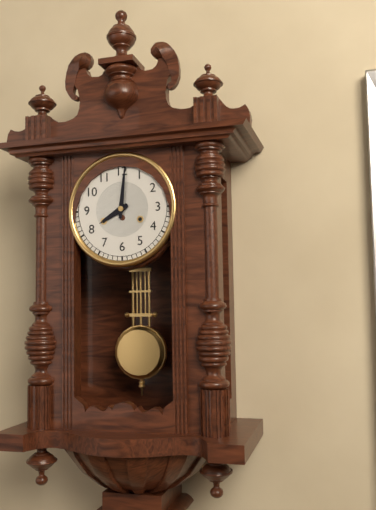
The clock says 8:01
